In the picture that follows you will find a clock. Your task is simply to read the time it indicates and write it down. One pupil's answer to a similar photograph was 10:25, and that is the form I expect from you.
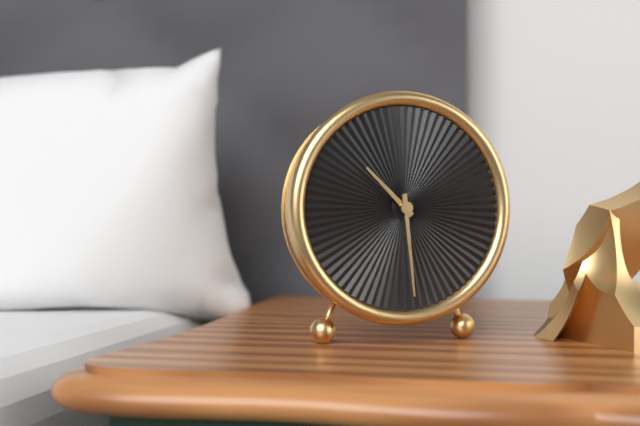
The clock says 10:29
